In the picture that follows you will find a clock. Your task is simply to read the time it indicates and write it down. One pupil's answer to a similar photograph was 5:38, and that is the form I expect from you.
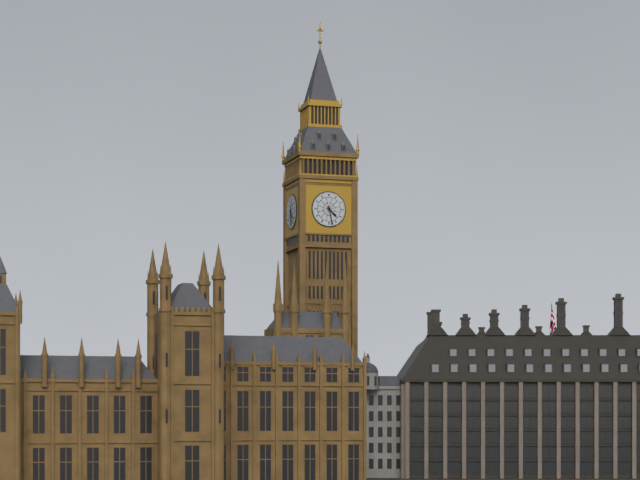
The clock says 4:28
